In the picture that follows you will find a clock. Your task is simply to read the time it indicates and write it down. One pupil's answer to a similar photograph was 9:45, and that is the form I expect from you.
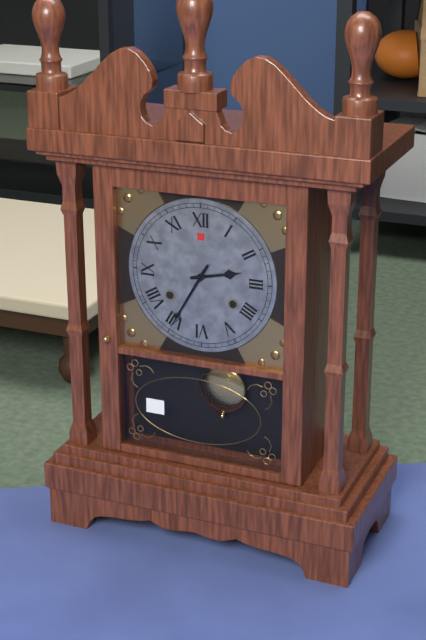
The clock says 2:35
